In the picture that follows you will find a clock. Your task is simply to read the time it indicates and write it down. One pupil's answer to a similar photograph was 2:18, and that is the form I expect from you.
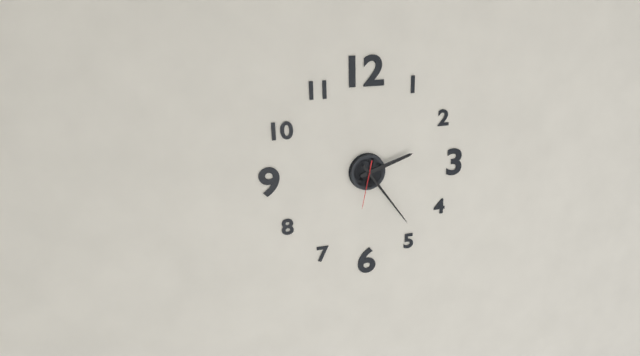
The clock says 2:24
